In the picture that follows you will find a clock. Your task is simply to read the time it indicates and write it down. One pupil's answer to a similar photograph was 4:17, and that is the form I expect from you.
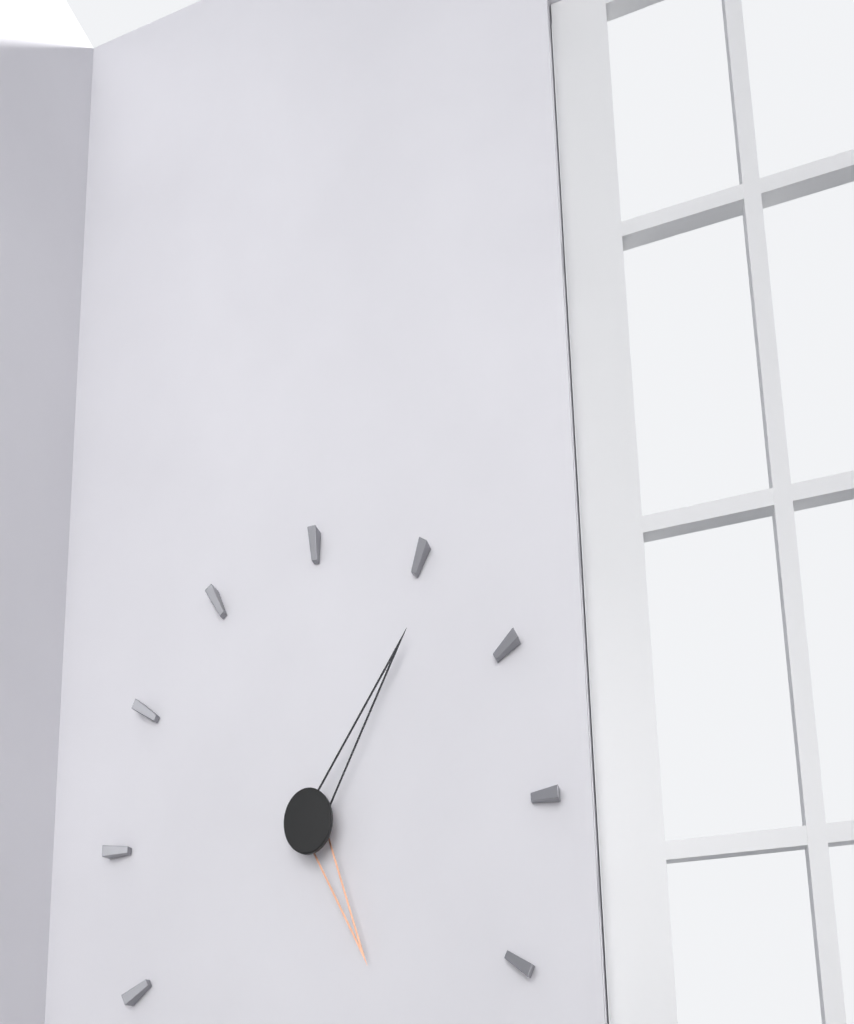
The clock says 5:06
